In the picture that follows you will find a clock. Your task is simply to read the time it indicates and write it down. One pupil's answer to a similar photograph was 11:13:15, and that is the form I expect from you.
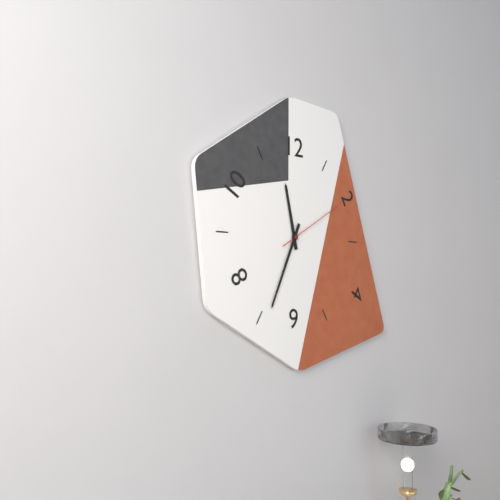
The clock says 11:34:10
